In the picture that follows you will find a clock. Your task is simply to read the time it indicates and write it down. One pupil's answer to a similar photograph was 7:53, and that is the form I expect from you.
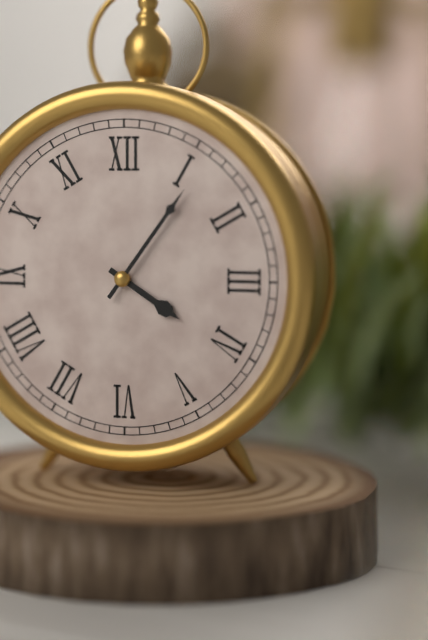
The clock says 4:06
